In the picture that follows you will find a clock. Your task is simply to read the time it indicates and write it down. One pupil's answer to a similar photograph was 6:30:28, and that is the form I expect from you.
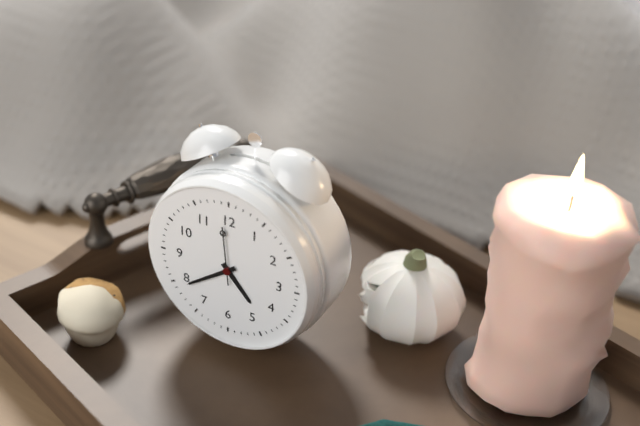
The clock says 4:39:59
